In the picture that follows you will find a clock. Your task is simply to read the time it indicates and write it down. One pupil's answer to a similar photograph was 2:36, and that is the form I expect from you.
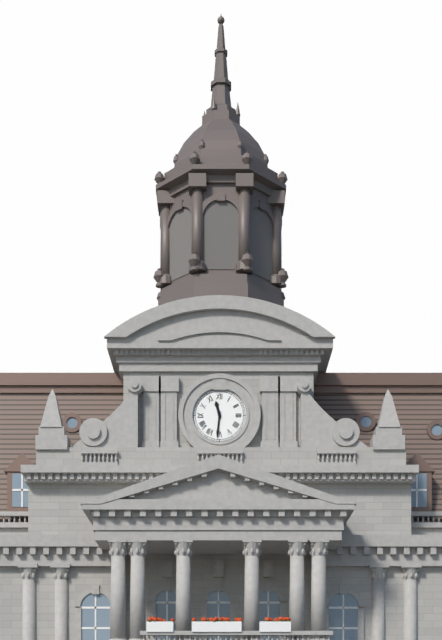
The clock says 11:31
